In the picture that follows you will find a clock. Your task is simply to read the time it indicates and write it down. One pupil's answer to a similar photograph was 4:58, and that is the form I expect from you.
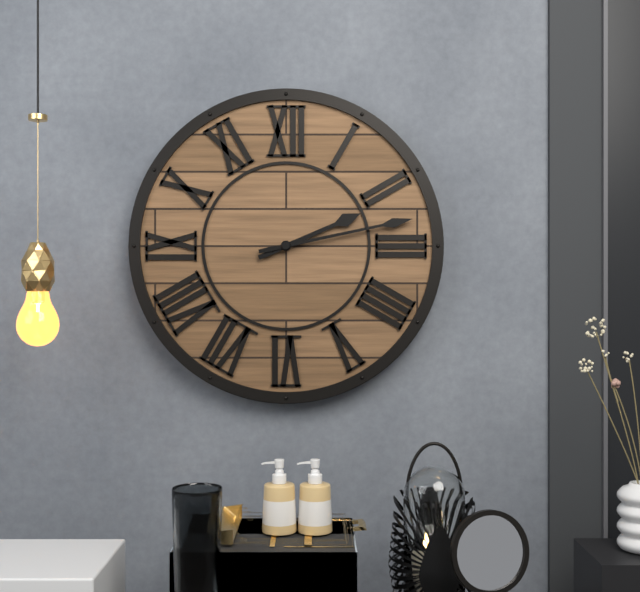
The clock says 2:13
